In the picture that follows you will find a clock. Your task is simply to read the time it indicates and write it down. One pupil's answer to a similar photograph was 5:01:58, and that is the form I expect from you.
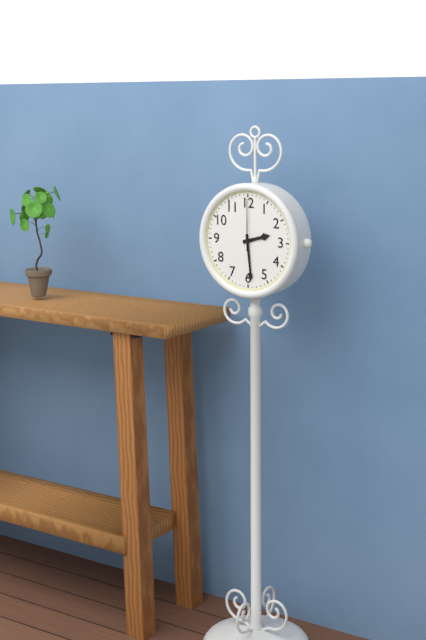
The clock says 2:29:00
